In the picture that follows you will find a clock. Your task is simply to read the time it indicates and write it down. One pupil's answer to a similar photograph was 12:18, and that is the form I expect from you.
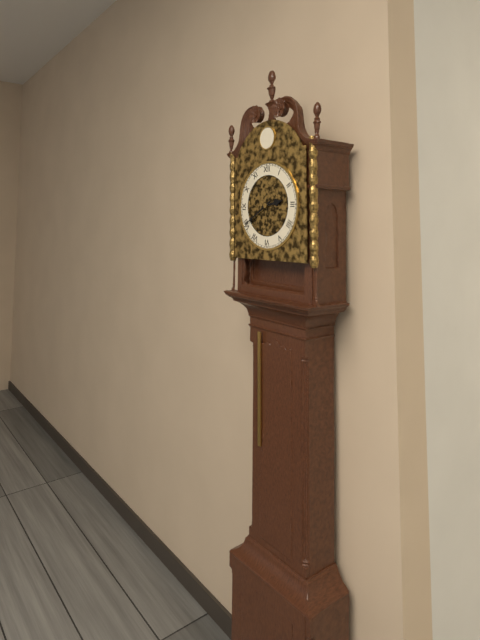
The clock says 2:40
